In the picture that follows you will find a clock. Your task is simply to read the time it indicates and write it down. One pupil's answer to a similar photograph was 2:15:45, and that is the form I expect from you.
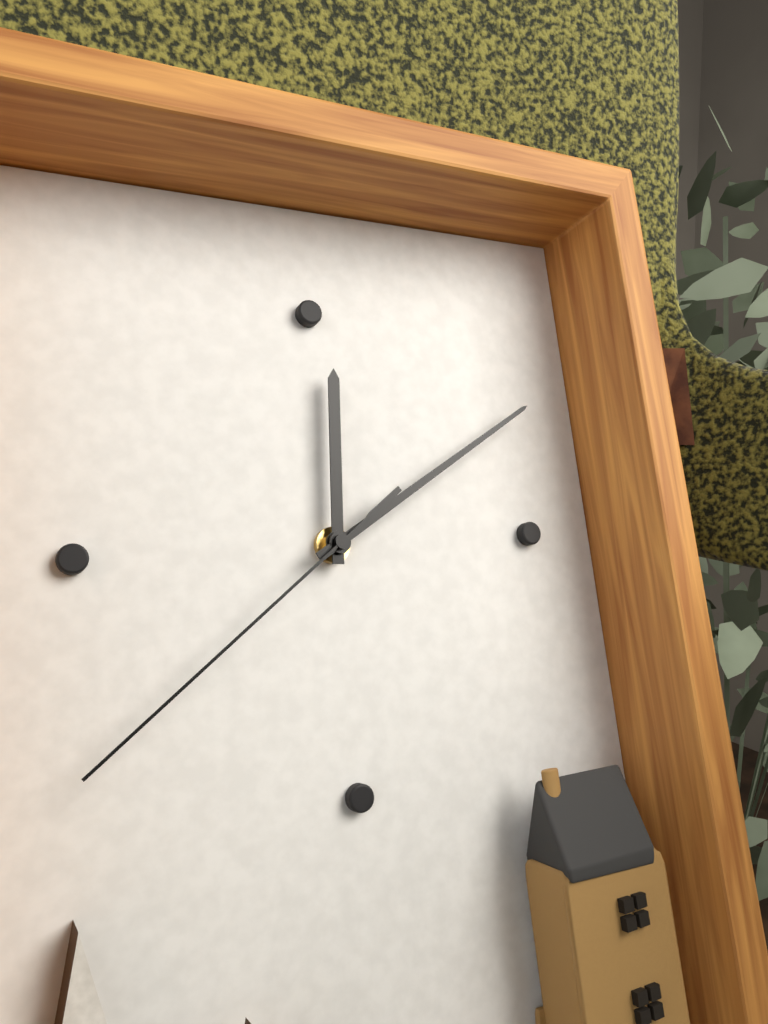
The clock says 12:10:39
